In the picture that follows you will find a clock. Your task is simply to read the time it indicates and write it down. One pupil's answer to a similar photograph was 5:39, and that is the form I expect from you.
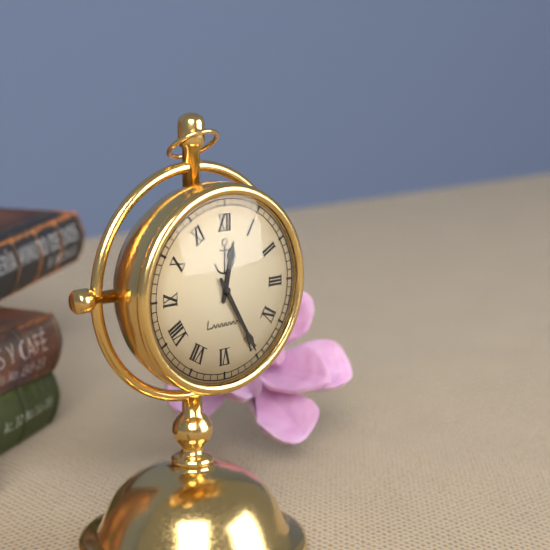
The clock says 12:25
